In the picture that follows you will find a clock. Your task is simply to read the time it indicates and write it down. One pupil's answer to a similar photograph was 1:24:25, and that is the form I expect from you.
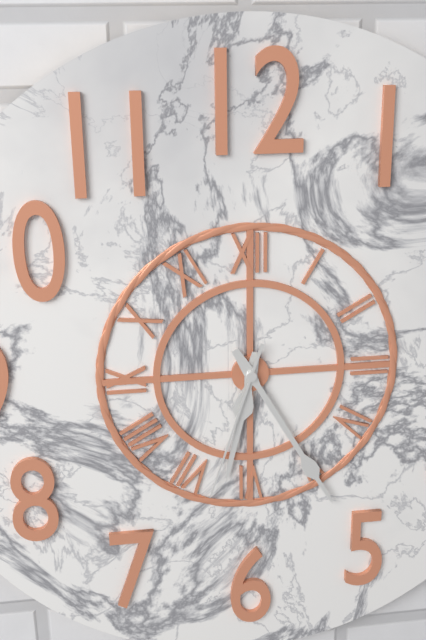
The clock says 6:25:33
